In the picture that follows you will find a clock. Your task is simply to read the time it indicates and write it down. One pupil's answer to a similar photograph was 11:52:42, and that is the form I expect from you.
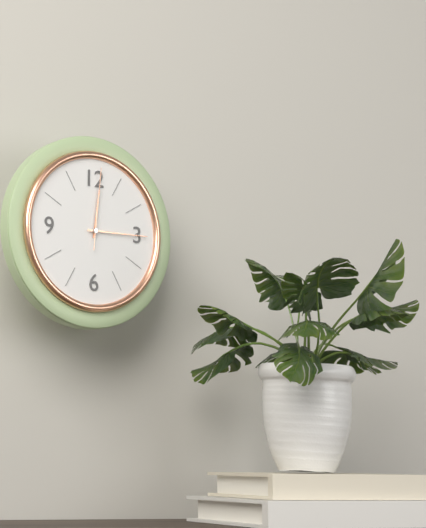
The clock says 12:15:01
